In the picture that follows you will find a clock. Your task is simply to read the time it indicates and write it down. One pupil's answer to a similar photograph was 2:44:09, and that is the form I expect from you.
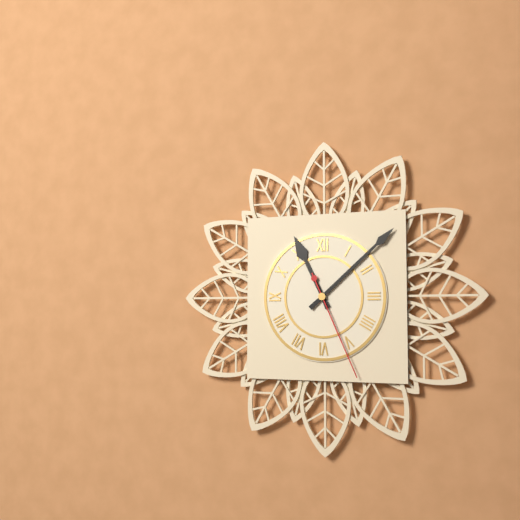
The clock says 11:08:26
